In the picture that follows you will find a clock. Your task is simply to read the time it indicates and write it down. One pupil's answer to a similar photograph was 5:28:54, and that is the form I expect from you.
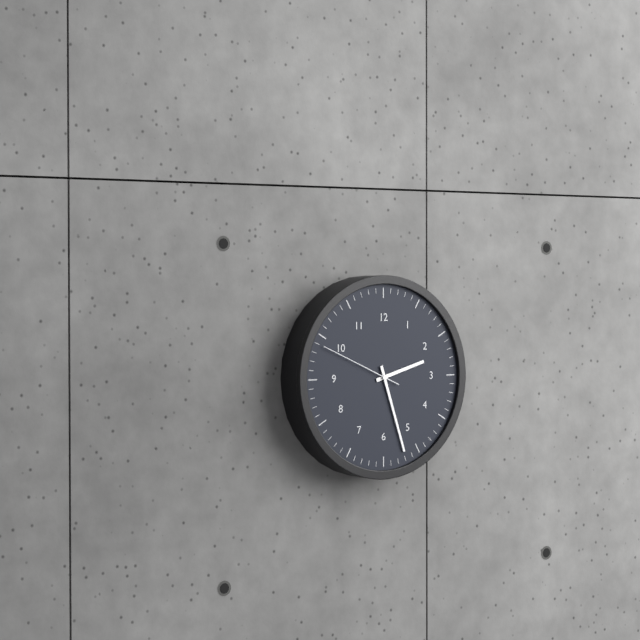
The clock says 2:27:49
